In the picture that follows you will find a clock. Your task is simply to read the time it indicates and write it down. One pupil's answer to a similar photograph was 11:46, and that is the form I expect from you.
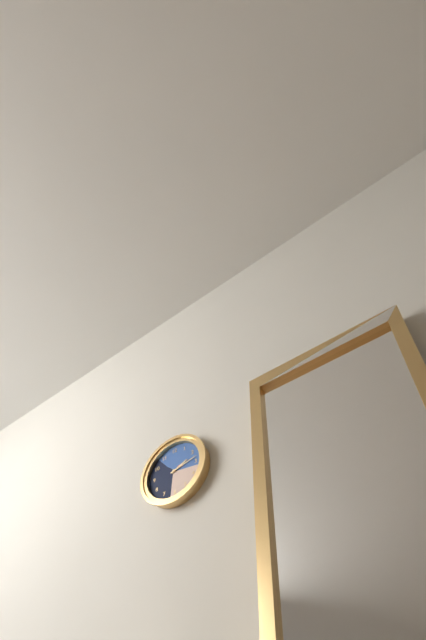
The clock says 2:13
